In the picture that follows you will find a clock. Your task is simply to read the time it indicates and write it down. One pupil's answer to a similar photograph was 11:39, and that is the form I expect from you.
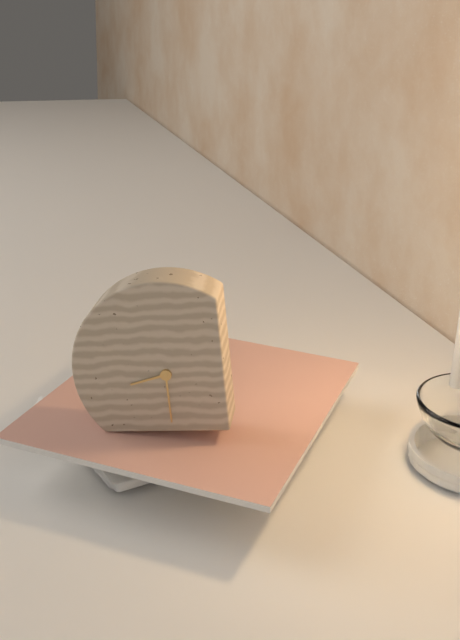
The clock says 8:30
